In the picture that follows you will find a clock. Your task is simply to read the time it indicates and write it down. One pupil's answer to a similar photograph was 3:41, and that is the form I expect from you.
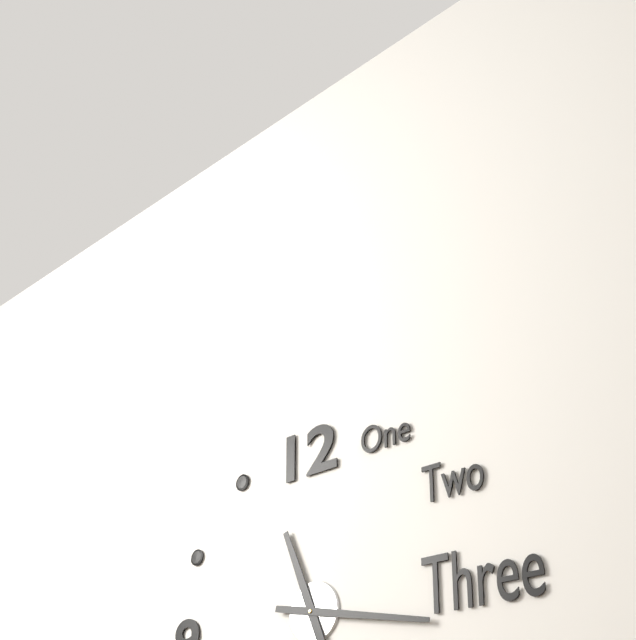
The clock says 11:17
